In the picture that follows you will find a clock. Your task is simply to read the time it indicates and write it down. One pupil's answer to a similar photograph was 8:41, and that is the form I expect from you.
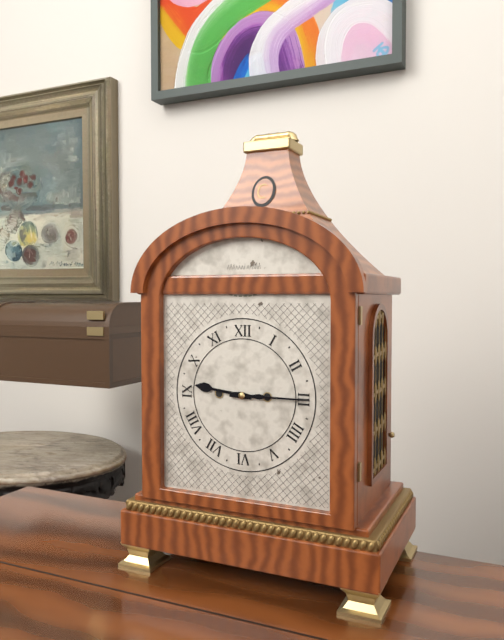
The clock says 9:15
